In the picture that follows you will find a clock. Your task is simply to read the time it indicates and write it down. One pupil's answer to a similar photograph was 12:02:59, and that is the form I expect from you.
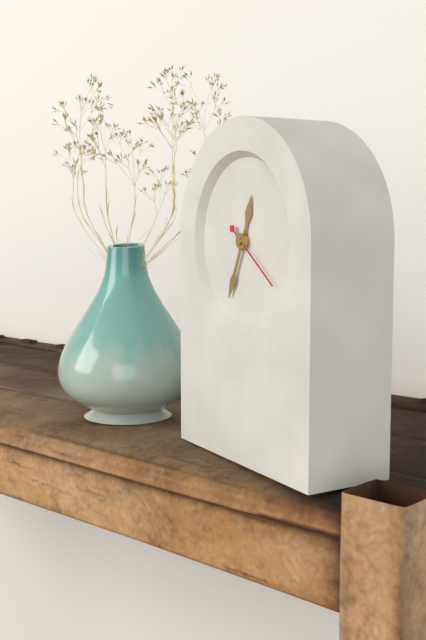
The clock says 12:34:21
